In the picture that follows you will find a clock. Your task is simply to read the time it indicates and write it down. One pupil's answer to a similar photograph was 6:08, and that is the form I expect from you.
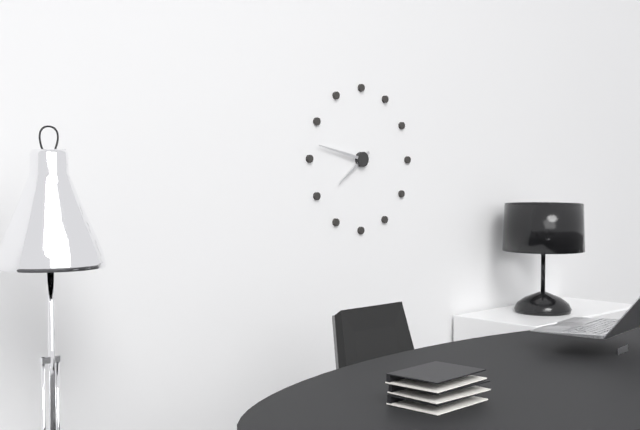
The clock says 7:47
